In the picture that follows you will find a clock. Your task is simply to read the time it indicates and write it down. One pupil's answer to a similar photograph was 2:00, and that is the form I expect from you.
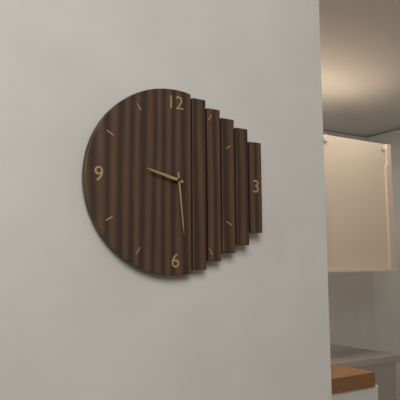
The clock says 9:29
